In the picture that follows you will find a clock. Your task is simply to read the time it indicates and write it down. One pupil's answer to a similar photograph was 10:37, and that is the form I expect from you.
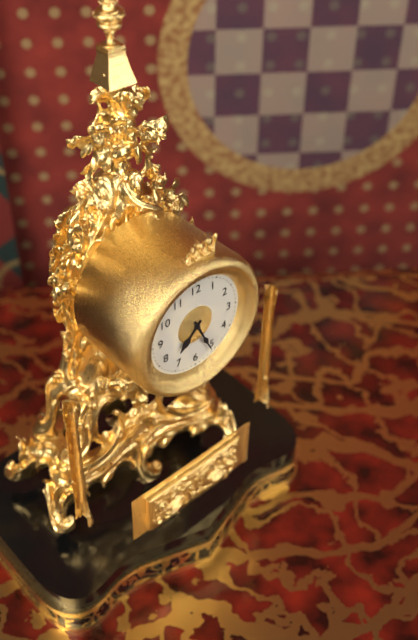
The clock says 7:26
